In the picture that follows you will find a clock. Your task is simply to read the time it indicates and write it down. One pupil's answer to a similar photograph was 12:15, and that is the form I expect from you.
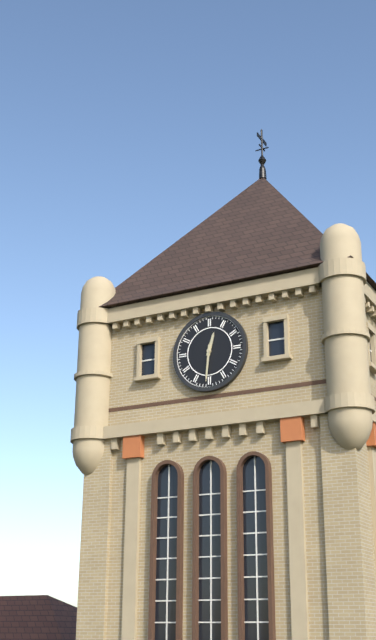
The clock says 12:31
